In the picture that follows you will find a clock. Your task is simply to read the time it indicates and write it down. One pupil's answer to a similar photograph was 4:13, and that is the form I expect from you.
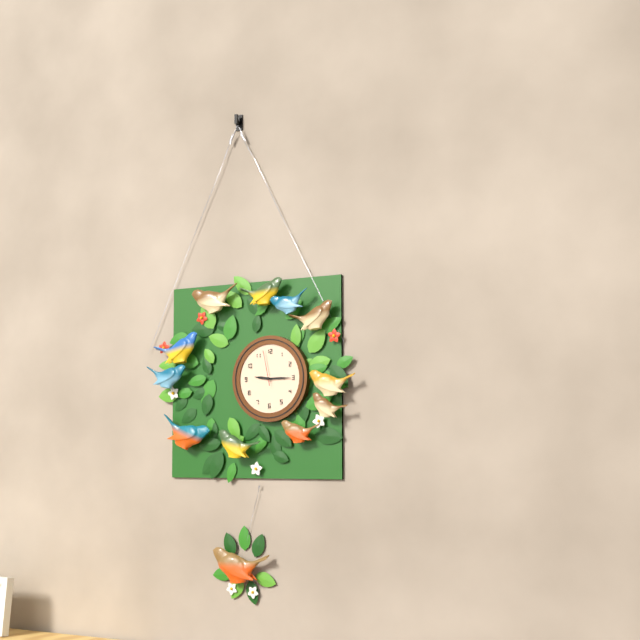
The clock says 9:15
